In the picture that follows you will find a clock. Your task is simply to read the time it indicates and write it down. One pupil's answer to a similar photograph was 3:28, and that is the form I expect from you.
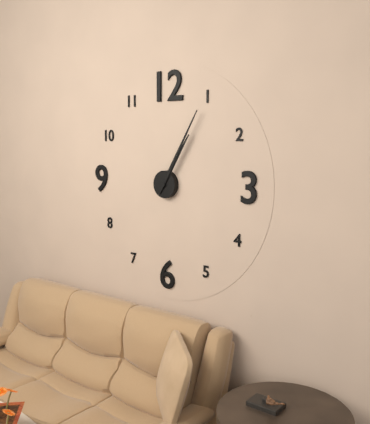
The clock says 1:05
